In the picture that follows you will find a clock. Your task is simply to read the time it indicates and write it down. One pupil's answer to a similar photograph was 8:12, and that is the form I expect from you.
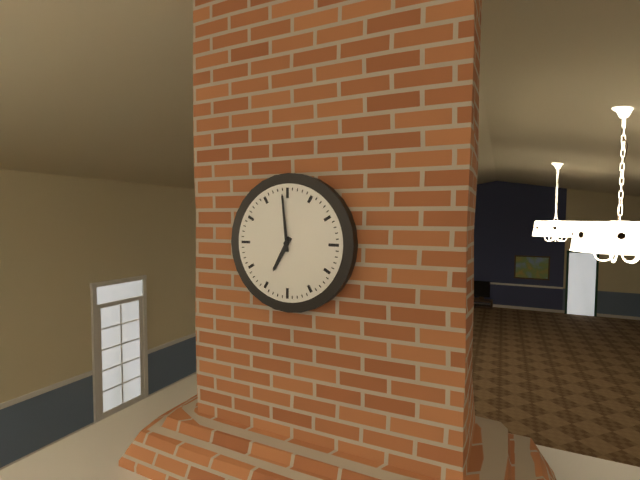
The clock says 6:59
